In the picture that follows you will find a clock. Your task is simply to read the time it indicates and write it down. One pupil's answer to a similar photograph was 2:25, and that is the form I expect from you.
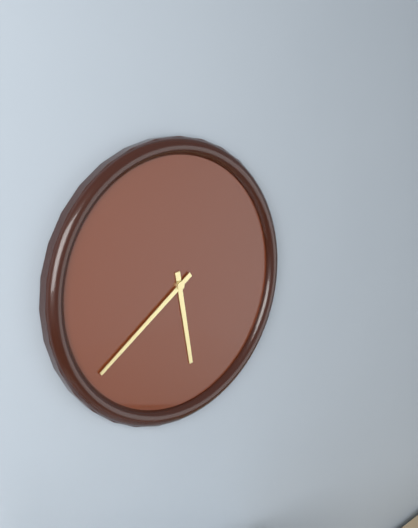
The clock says 5:39
